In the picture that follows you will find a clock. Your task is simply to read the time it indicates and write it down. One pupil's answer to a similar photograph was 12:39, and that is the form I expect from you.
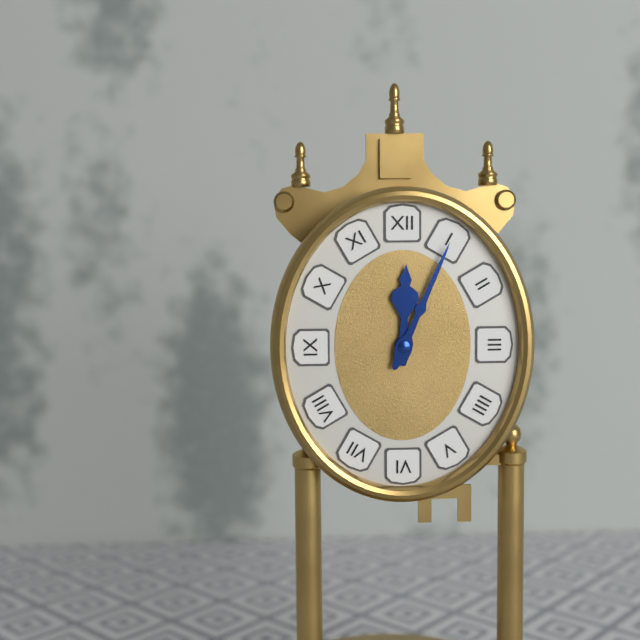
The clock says 12:04
